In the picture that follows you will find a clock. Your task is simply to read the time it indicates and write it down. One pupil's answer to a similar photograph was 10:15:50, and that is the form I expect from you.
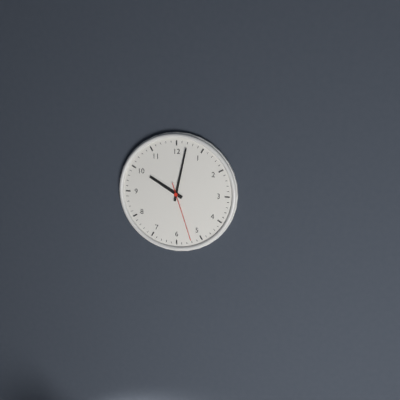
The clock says 10:02:27
